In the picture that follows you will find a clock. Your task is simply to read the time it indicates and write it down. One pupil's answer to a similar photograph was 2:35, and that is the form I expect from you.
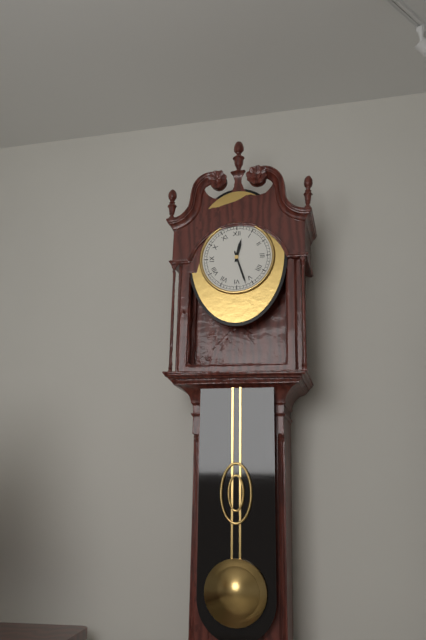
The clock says 12:27
